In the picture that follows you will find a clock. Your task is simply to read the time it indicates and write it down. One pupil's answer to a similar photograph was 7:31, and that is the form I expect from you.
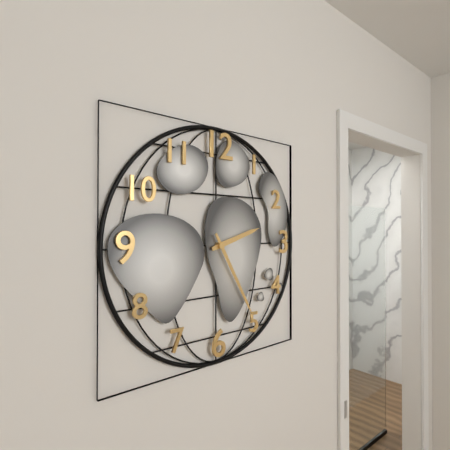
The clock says 2:25
